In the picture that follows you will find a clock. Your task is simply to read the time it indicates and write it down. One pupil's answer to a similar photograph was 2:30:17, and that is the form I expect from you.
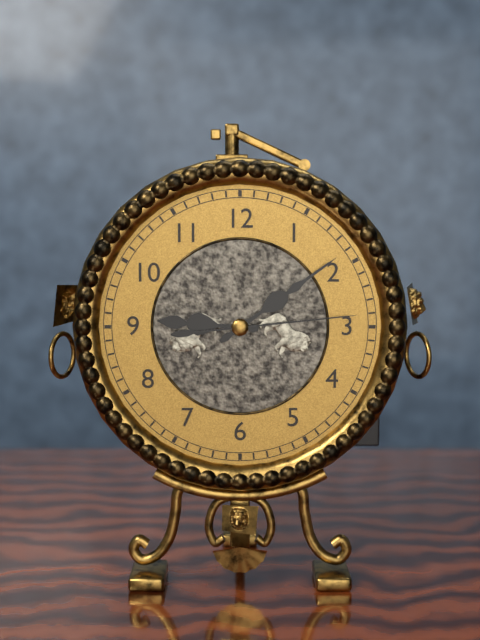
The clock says 9:09:14
